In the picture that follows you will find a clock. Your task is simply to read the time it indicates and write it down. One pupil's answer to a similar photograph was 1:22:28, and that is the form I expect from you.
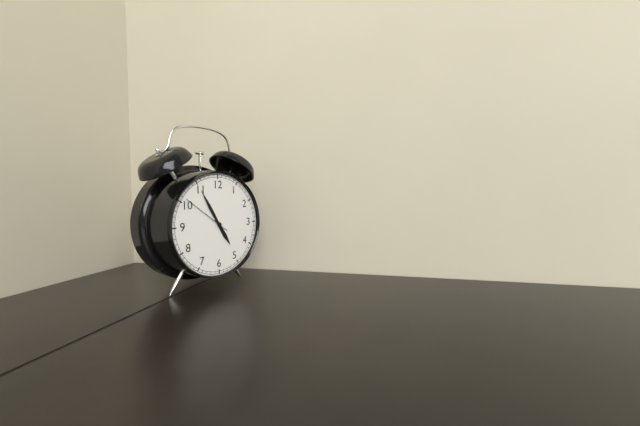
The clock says 4:55:51
